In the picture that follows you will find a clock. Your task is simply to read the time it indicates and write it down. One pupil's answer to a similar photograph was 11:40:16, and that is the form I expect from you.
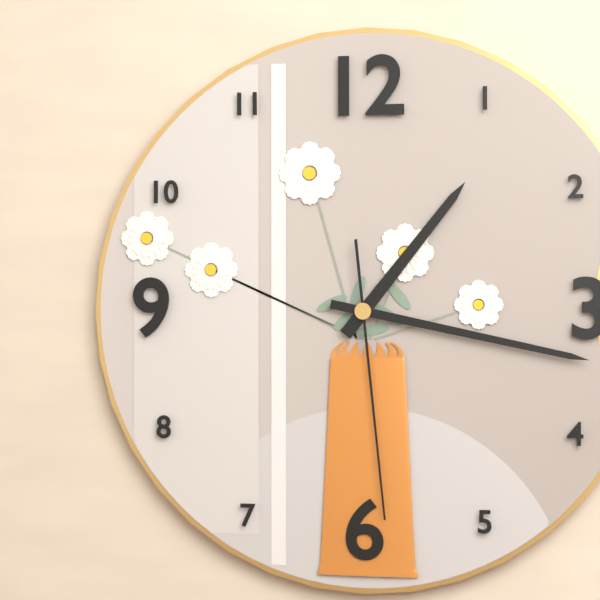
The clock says 1:17:29
